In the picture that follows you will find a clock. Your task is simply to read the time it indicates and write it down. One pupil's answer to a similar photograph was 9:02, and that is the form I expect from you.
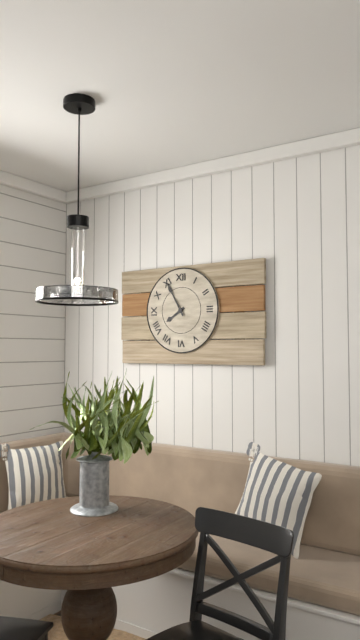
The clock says 7:55
